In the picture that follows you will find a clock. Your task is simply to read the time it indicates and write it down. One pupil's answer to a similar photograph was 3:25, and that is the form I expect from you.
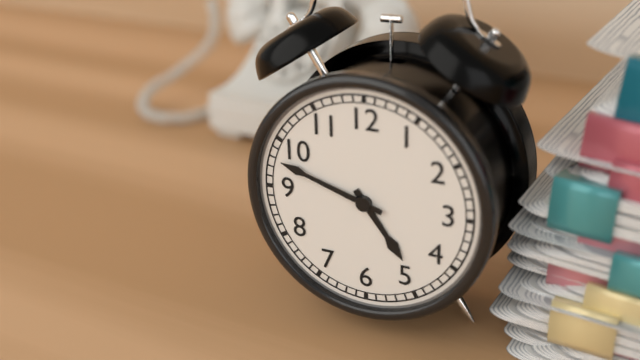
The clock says 4:48
